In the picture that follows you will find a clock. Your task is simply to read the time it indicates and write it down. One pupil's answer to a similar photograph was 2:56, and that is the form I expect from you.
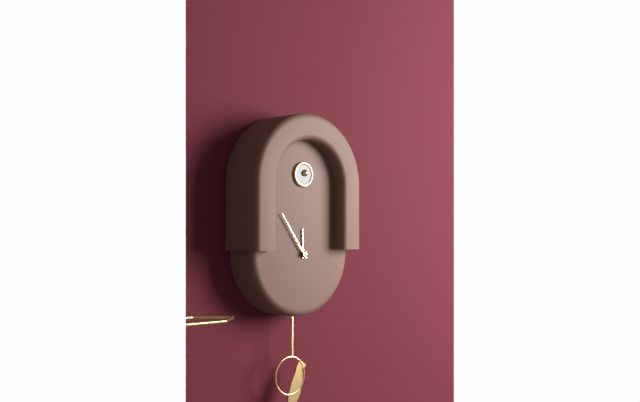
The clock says 11:54
